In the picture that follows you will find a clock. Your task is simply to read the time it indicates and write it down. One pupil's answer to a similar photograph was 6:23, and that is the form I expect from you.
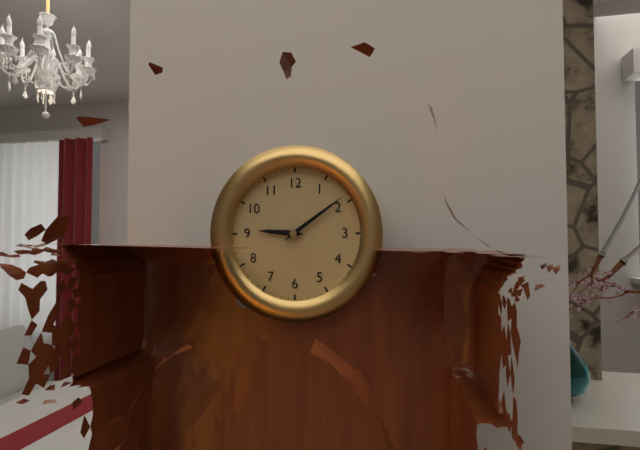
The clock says 9:09
